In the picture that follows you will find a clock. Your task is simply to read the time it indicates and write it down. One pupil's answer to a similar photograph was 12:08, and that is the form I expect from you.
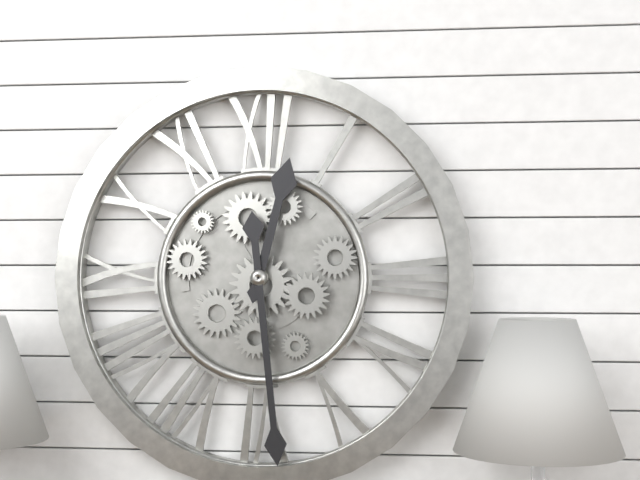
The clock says 12:29
